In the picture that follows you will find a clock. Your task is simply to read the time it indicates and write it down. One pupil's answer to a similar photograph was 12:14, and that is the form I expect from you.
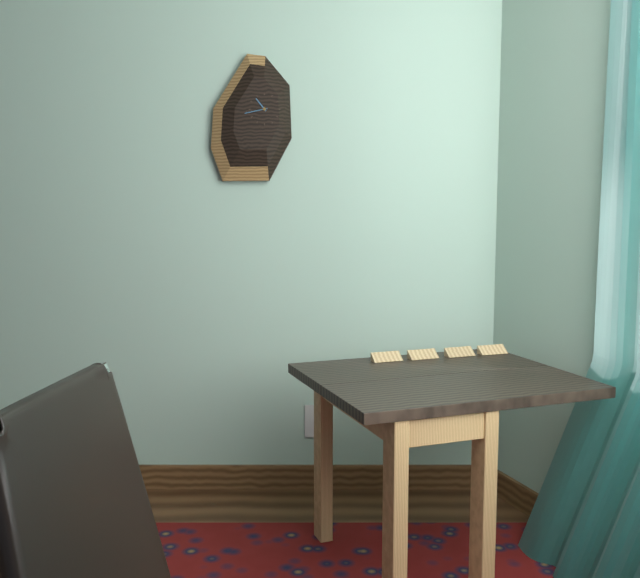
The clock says 10:43
